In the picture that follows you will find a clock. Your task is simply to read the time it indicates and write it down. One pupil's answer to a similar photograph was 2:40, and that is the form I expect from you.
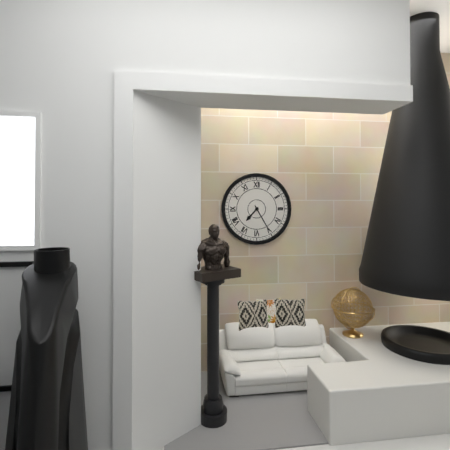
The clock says 7:25
